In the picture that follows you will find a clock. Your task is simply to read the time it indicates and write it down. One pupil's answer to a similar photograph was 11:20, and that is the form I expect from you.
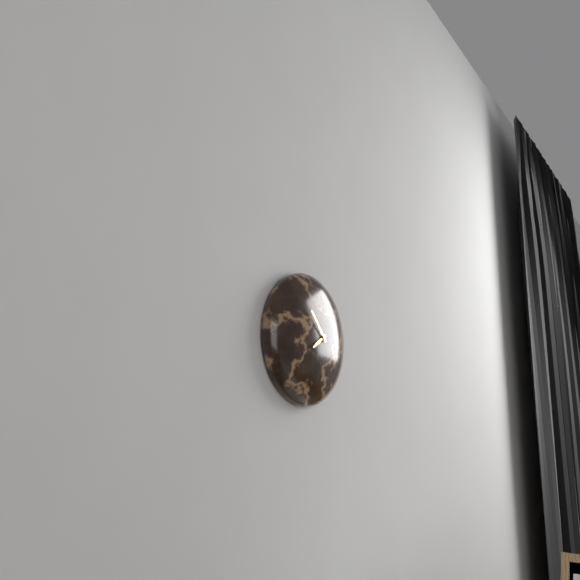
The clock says 7:53
